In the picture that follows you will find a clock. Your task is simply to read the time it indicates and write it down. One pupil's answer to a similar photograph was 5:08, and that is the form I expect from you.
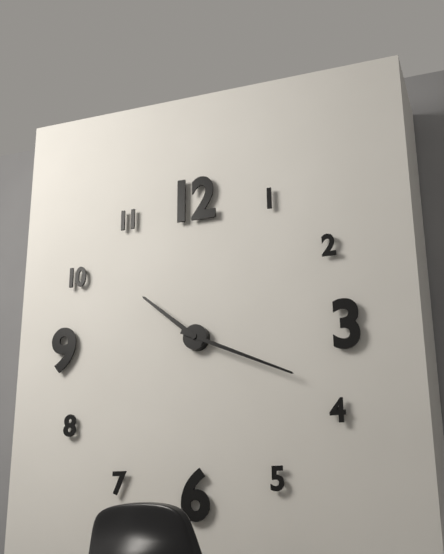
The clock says 10:19
